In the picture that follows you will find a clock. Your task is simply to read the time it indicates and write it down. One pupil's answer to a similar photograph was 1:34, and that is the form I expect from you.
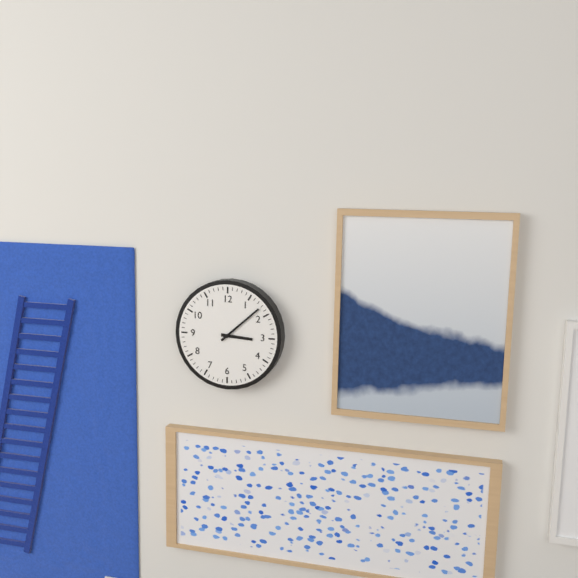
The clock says 3:08
